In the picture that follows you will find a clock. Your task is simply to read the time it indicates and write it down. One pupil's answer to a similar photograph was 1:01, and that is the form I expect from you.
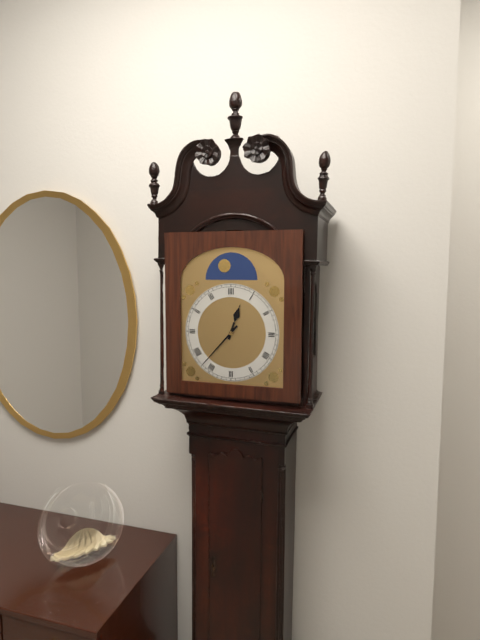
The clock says 12:37
